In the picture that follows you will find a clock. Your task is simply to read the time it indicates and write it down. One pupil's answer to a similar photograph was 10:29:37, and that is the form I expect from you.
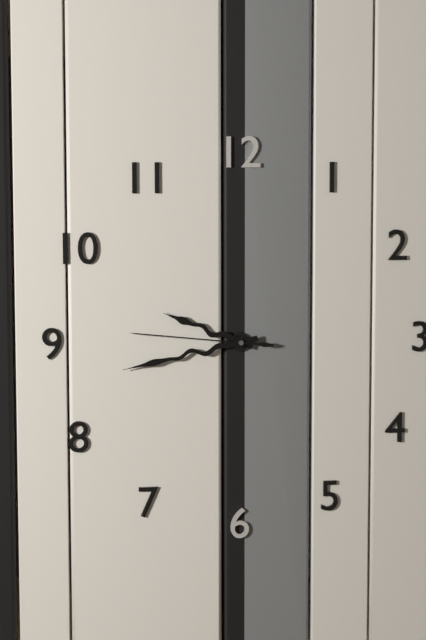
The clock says 9:43:46
